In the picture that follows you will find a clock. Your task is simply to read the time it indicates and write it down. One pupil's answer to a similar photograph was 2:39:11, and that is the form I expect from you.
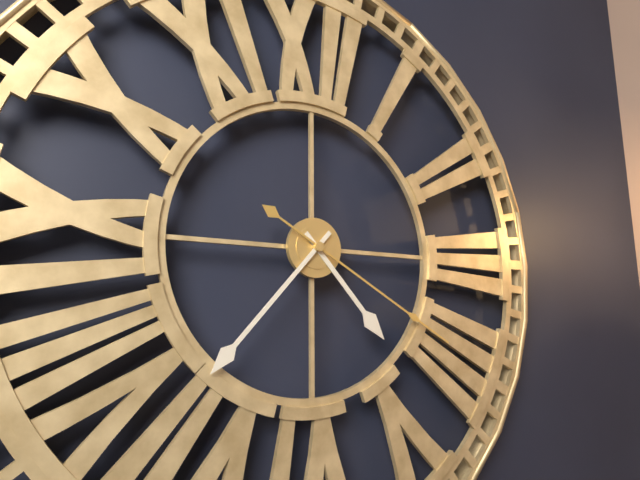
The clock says 4:37:20
